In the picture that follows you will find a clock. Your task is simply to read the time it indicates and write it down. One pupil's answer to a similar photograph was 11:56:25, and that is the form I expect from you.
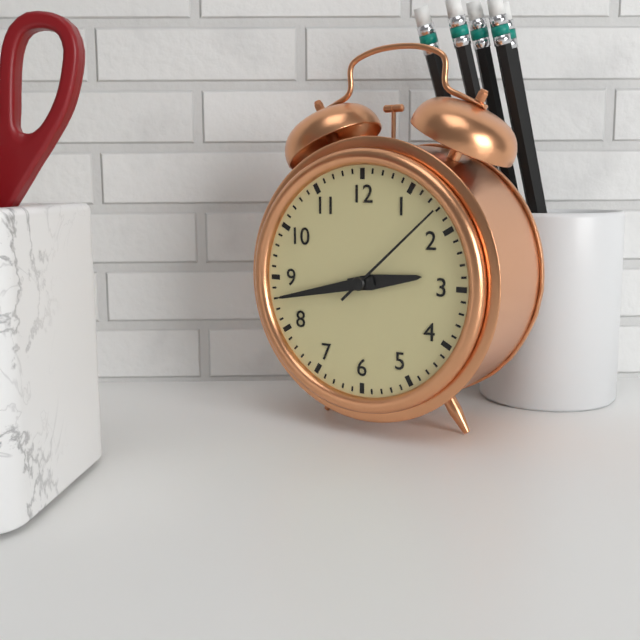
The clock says 2:43:08
